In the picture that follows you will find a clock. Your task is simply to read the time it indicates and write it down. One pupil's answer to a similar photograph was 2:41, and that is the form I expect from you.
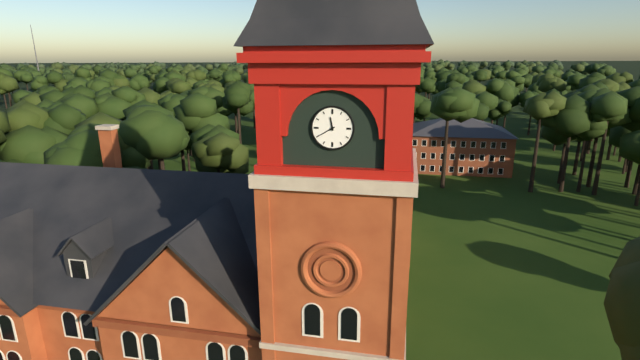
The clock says 11:40
